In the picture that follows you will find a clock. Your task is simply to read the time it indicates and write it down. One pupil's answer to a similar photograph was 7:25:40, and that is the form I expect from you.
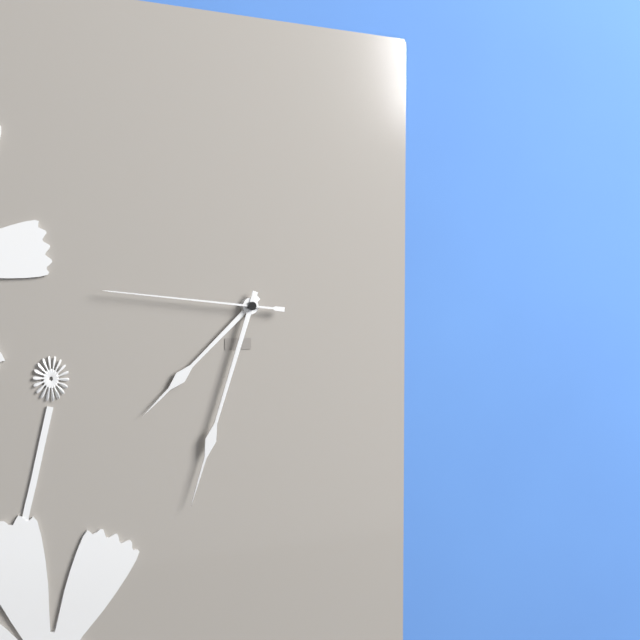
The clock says 7:33:46
